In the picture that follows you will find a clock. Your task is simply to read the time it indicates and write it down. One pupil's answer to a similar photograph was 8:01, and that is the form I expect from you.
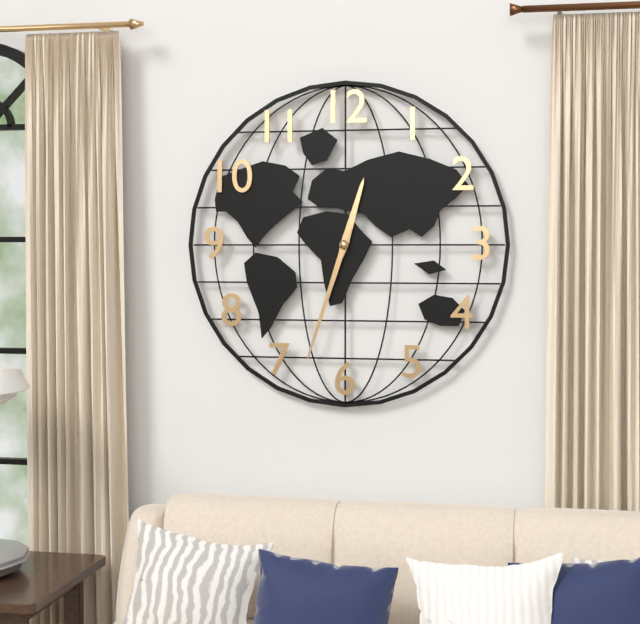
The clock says 12:33
